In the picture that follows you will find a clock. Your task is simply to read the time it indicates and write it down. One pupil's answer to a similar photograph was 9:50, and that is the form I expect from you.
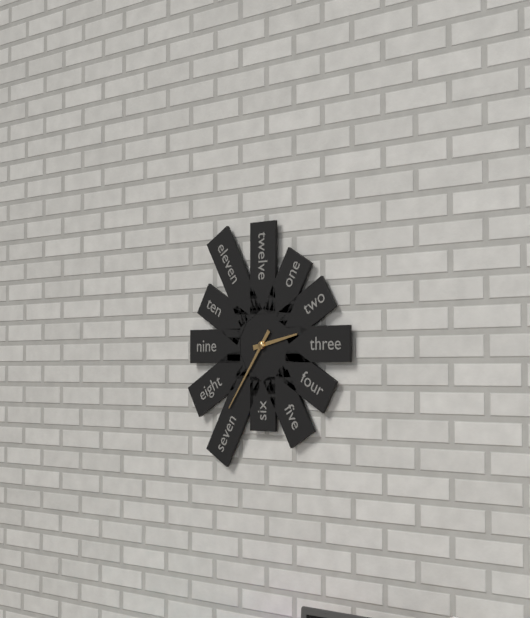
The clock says 2:36
